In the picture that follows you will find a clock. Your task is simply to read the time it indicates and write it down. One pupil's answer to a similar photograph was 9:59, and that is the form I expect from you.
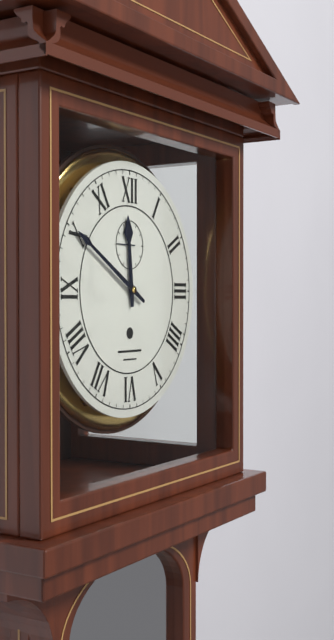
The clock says 11:50
